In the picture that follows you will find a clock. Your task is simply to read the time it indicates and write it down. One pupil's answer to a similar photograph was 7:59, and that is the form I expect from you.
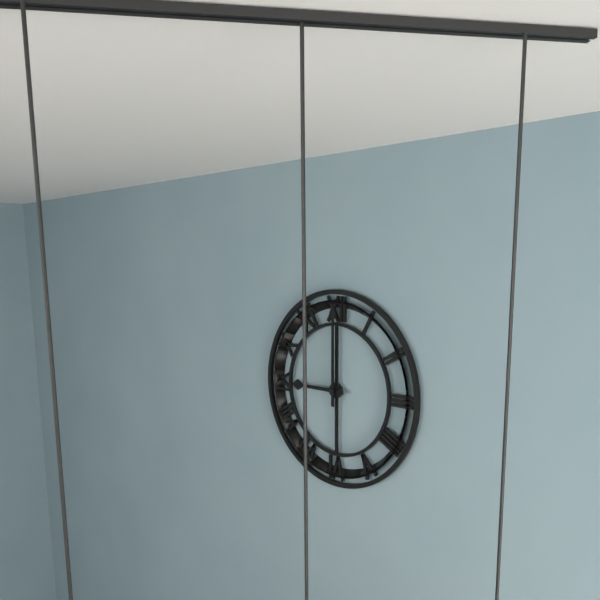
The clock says 9:00
